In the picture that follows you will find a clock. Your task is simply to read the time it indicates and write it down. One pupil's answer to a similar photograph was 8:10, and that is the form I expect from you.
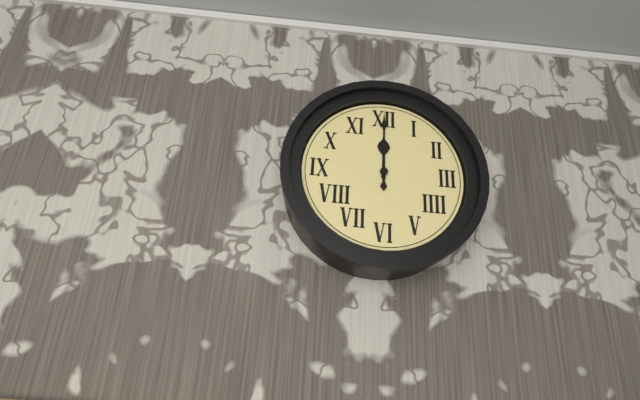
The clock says 12:00
